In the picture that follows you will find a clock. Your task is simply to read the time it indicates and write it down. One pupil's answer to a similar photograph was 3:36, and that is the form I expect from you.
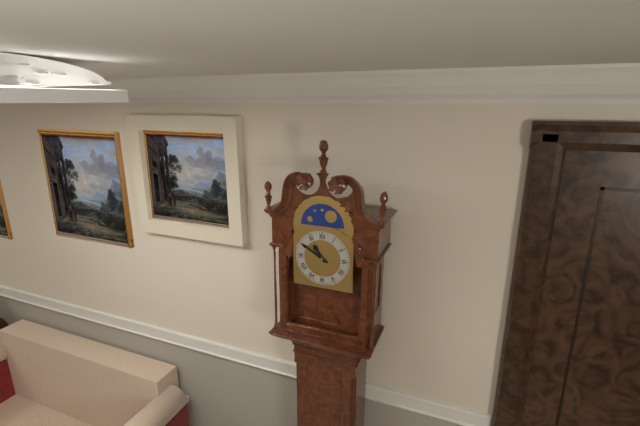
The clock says 10:50
